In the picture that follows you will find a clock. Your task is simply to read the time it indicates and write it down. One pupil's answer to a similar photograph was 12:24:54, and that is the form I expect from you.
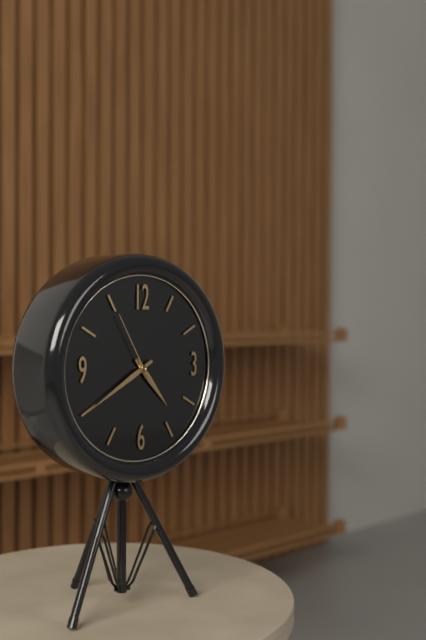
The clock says 4:40:55
